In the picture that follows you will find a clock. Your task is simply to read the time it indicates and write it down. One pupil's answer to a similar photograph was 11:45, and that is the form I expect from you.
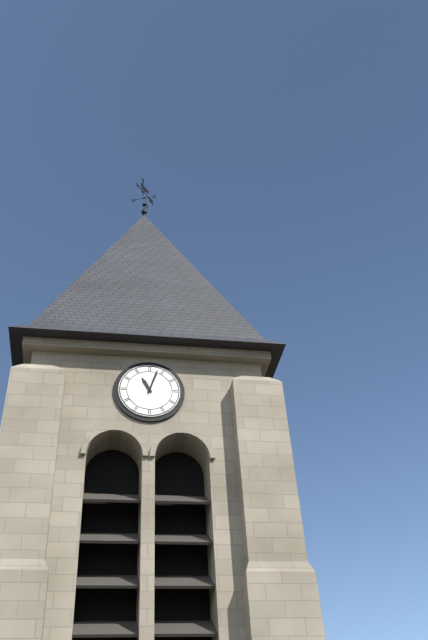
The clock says 11:03
